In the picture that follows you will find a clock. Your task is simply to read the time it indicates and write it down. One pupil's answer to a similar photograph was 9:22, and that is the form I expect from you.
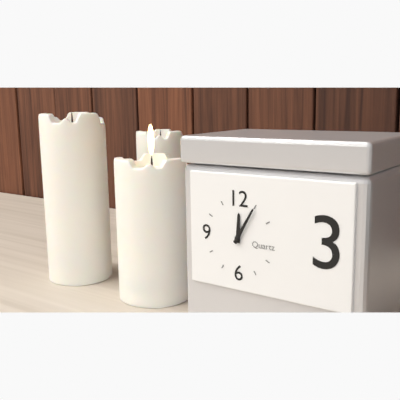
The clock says 12:05
